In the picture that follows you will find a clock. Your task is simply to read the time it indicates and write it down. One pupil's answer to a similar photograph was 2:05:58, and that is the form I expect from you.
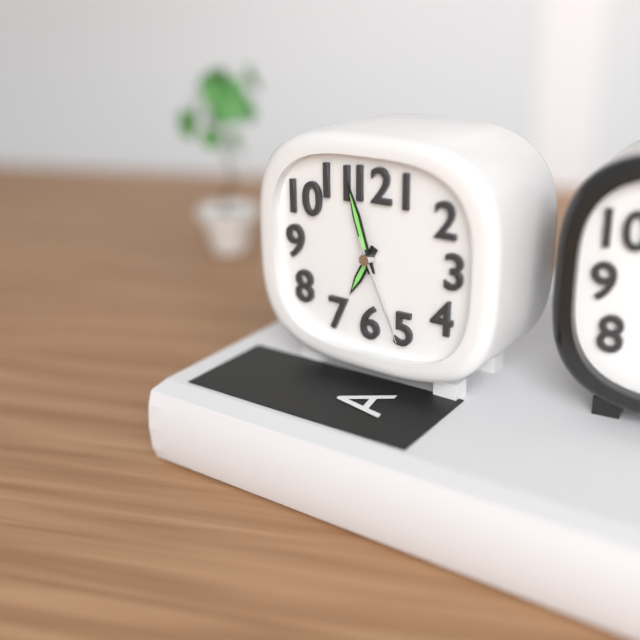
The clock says 6:57:26
